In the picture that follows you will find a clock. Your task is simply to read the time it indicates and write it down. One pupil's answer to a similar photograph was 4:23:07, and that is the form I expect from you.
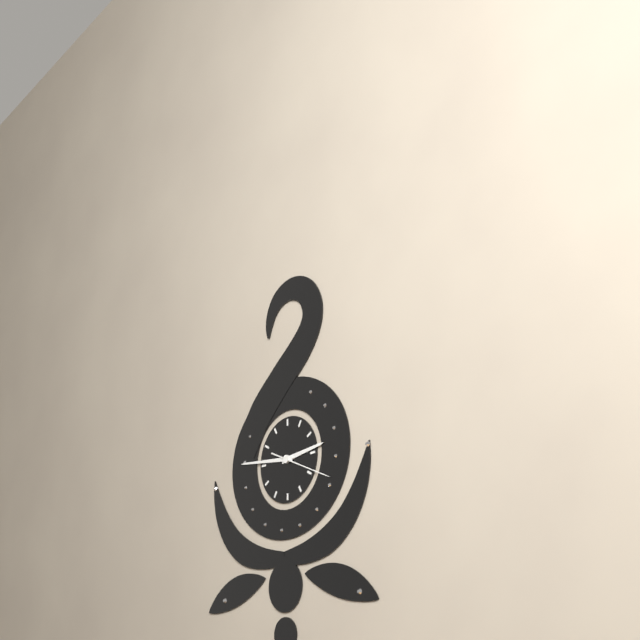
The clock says 2:46:19
